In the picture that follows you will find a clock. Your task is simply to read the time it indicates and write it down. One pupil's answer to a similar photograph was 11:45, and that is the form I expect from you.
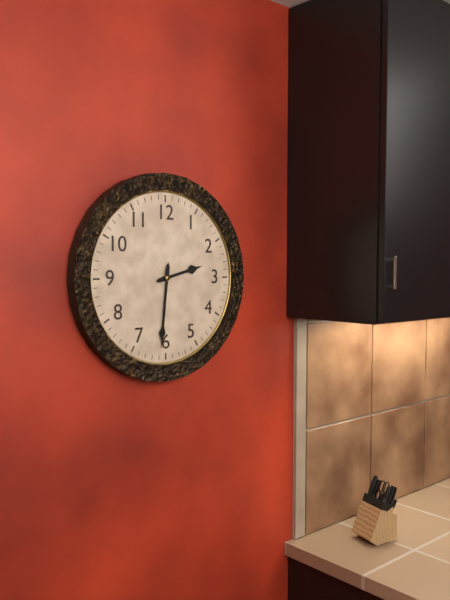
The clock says 2:31
